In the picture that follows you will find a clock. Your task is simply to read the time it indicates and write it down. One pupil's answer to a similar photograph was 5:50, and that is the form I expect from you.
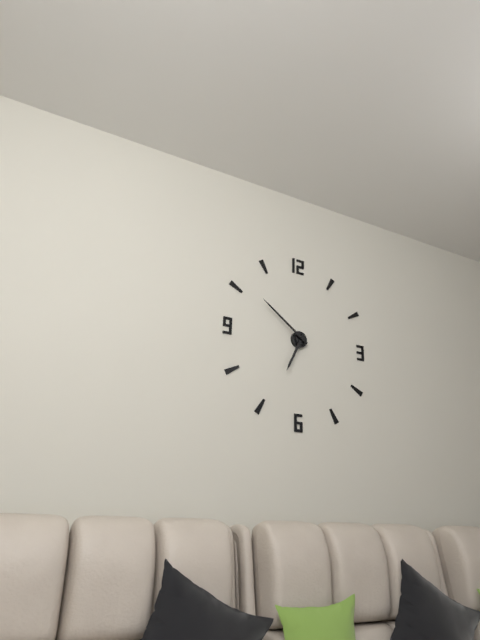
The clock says 6:51
